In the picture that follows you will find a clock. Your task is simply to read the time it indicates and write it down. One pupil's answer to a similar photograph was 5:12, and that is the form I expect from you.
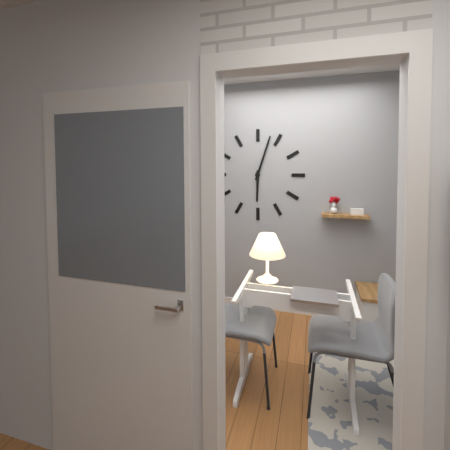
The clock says 6:03
